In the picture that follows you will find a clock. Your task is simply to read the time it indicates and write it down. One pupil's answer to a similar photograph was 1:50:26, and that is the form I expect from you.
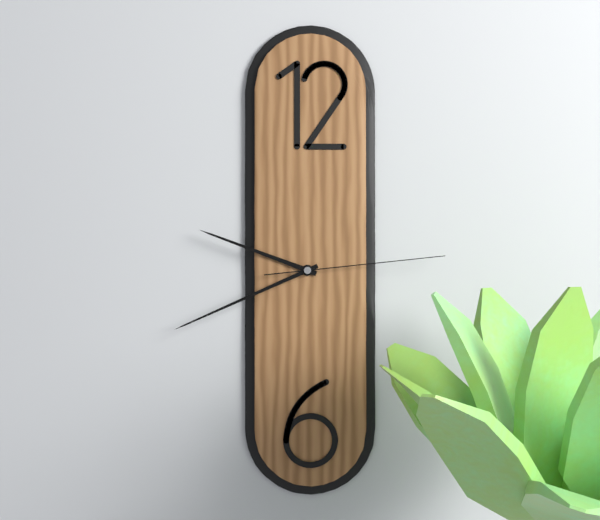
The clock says 9:41:14
